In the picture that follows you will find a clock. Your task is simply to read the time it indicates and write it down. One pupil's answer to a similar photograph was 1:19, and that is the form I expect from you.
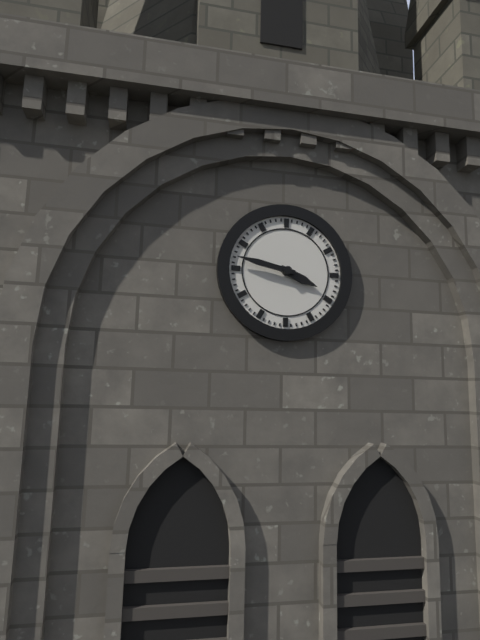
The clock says 3:47
